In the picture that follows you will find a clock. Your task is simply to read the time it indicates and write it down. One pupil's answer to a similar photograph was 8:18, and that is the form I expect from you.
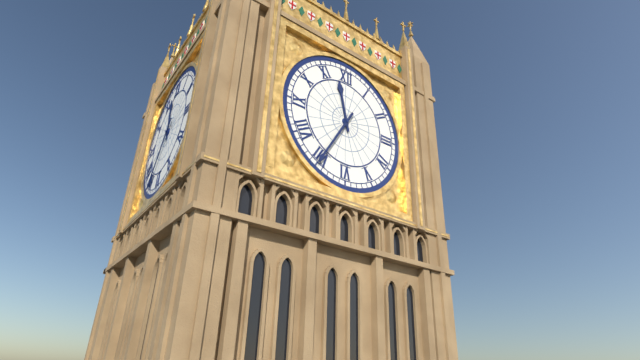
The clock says 11:35
